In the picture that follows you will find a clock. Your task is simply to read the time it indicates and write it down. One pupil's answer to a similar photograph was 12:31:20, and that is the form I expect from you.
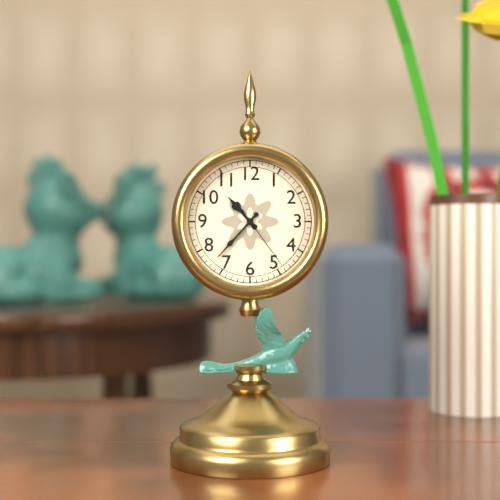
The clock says 10:37:24
